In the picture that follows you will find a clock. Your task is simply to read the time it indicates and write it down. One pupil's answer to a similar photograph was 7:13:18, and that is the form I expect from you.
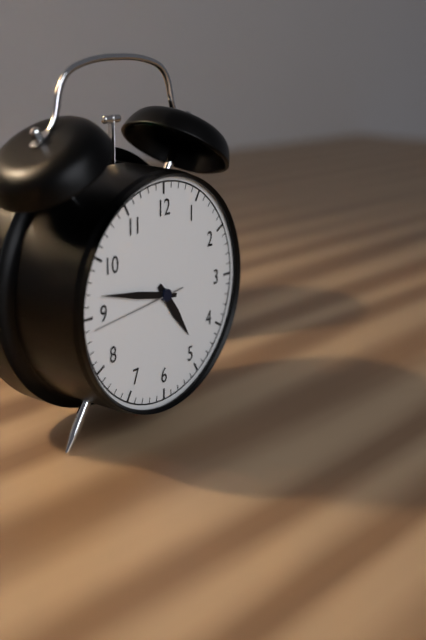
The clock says 4:47:44
